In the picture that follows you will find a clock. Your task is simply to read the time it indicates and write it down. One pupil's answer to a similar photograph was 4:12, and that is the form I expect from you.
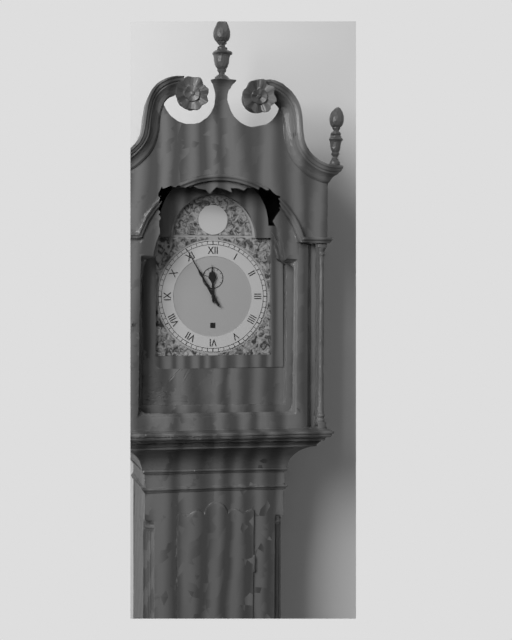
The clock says 11:55
